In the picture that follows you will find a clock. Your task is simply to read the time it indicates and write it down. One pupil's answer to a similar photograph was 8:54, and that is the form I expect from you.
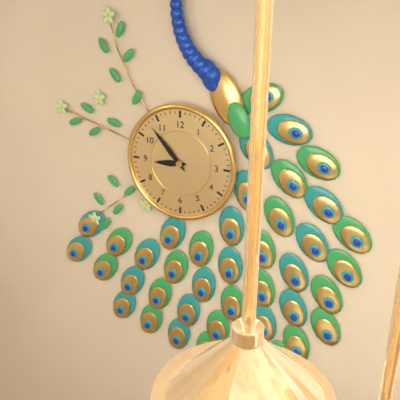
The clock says 8:53
